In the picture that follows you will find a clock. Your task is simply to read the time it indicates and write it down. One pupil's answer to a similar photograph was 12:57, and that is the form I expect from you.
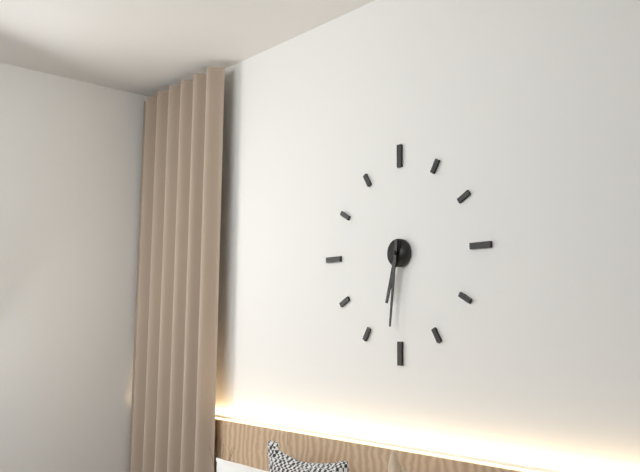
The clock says 6:31
